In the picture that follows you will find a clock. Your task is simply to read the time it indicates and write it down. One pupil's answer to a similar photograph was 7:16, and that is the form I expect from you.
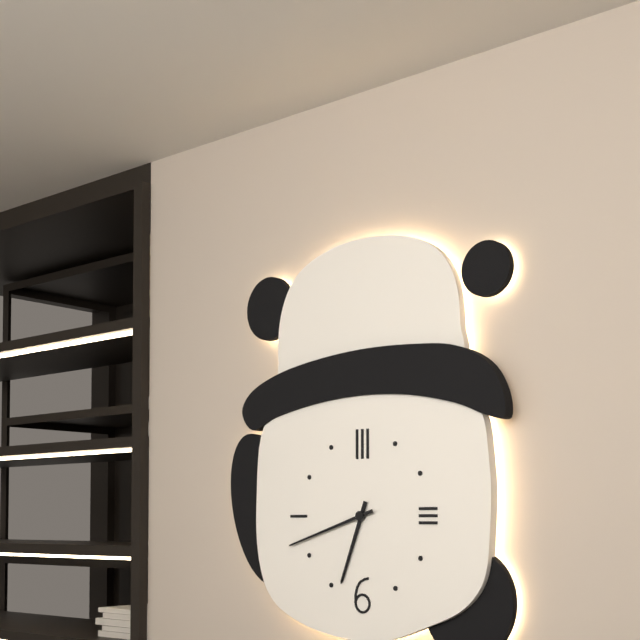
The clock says 6:42
